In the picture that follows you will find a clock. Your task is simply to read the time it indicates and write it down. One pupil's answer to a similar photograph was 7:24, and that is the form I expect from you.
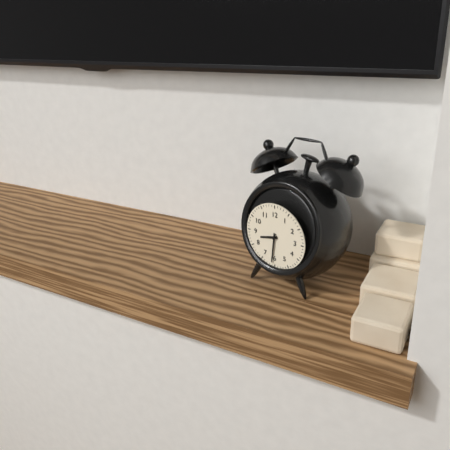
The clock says 8:31
